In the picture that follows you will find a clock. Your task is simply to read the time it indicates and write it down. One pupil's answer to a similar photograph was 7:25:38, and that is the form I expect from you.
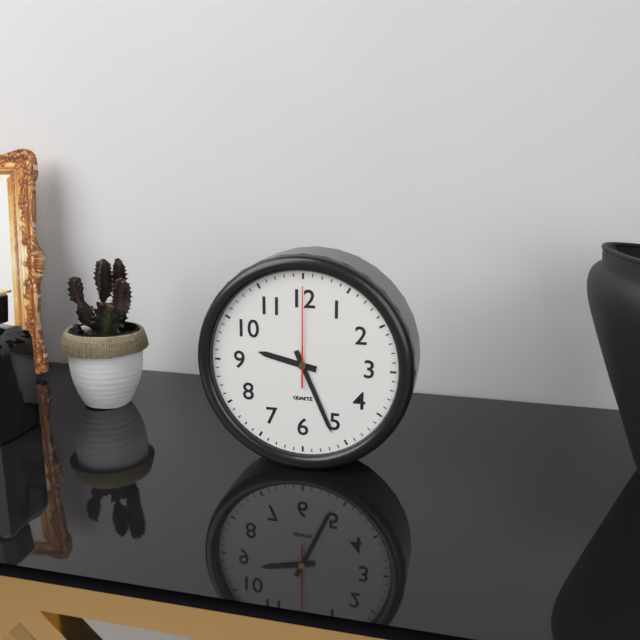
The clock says 9:26:00
